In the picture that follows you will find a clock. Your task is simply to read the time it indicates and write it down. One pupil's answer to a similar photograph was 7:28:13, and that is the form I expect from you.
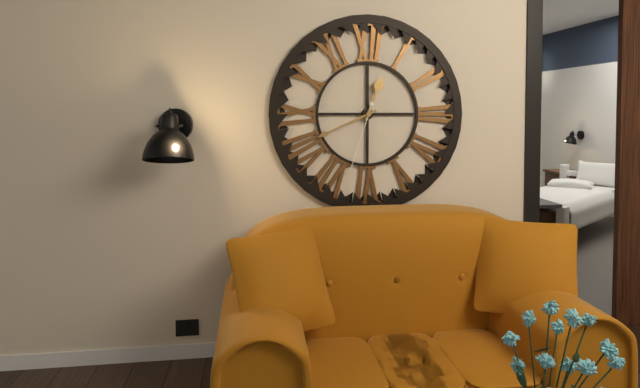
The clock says 12:41:33
